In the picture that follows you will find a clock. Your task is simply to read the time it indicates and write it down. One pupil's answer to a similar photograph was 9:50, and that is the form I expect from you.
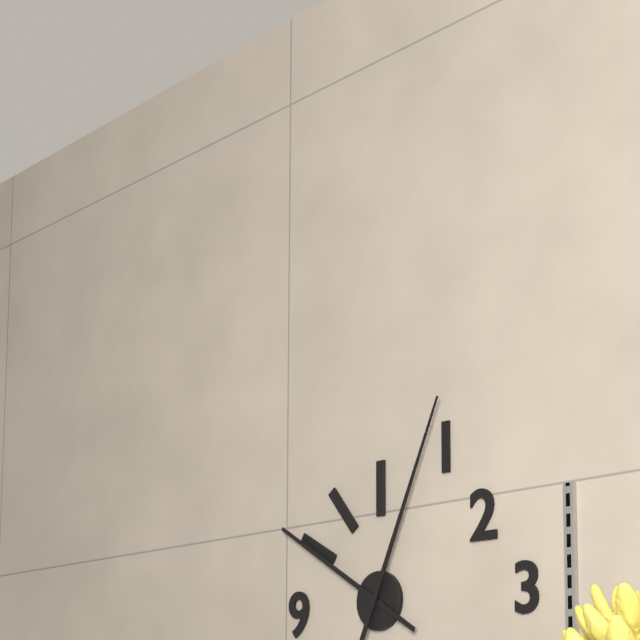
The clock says 10:04
